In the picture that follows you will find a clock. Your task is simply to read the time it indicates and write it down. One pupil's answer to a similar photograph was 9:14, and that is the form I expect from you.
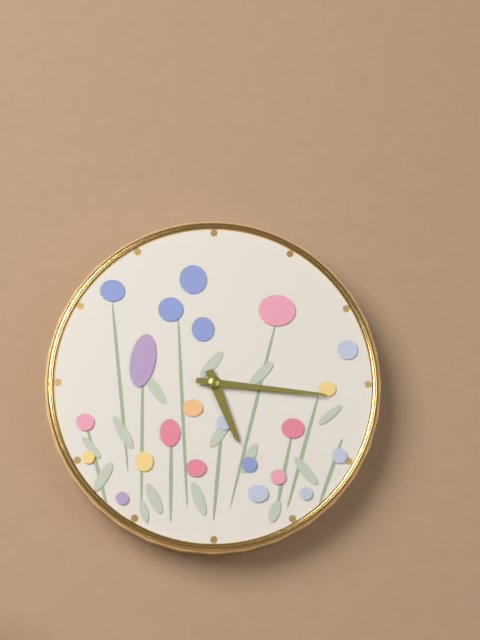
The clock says 5:16
